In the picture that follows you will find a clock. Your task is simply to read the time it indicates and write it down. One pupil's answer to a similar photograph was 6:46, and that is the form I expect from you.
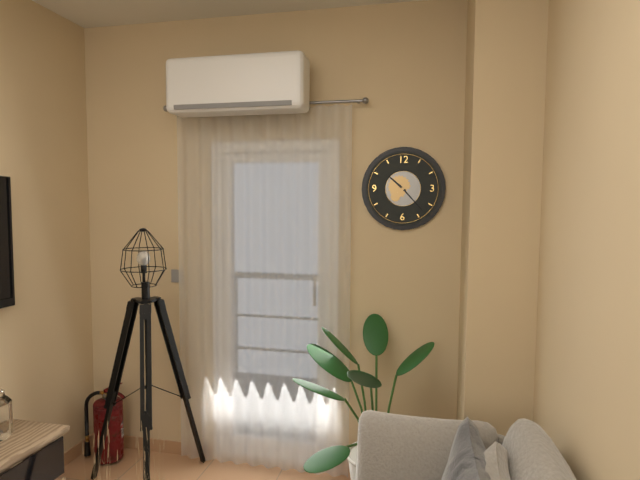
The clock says 10:23
